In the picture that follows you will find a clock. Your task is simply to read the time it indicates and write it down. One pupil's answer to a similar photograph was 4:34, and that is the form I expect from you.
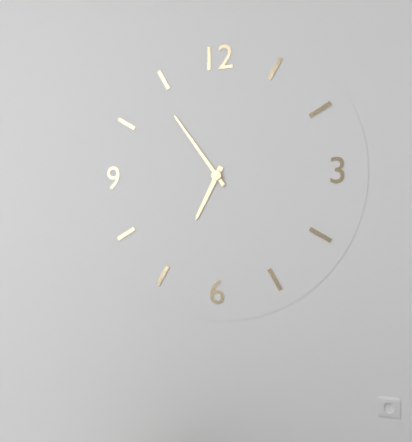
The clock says 6:54
